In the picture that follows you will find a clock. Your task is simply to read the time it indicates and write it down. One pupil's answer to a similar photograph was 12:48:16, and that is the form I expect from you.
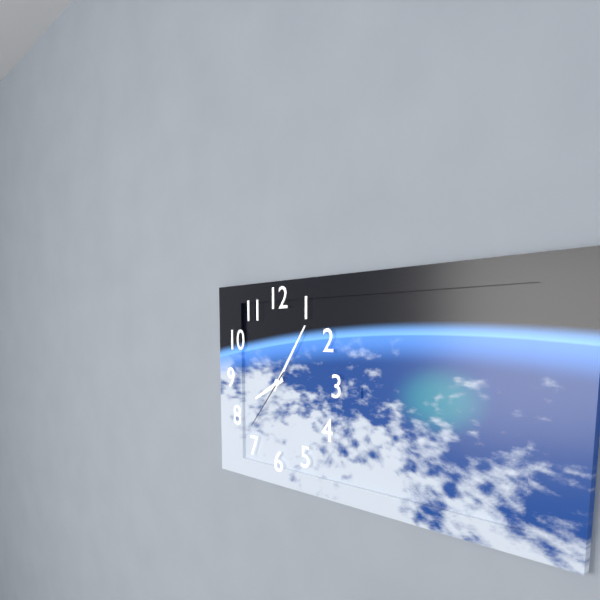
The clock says 8:06:37
